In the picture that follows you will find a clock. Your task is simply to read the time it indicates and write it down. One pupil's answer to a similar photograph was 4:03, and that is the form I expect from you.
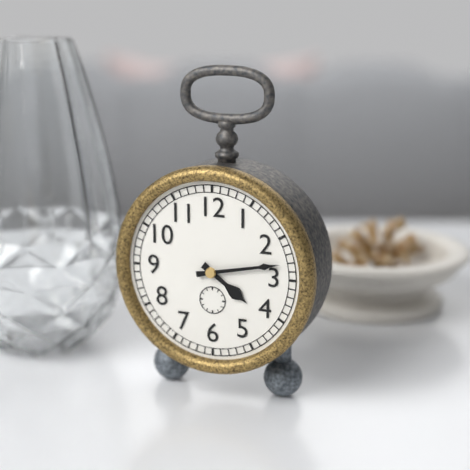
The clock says 4:13
